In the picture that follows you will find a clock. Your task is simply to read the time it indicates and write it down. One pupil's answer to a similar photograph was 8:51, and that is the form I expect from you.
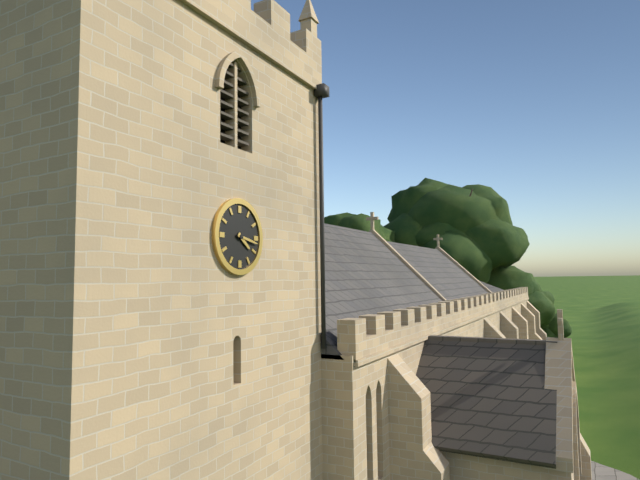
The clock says 4:17
